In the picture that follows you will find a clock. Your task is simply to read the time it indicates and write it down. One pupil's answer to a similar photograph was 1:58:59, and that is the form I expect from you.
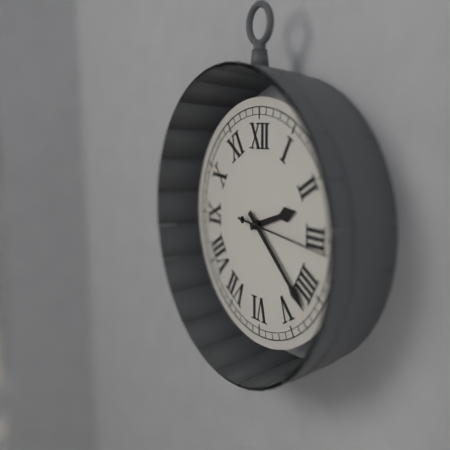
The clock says 2:22:16
